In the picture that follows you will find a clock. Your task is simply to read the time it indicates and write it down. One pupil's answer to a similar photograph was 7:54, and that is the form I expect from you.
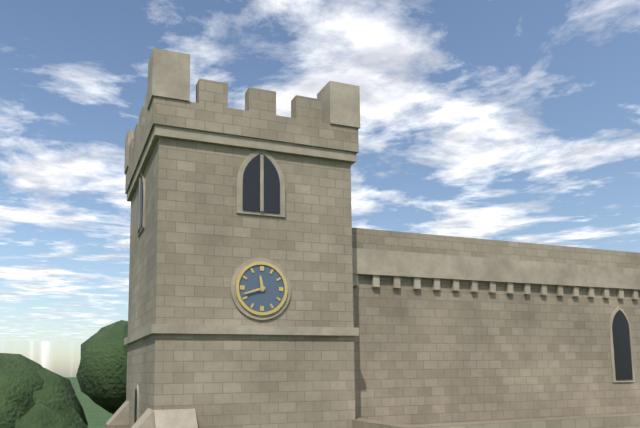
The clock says 11:42
